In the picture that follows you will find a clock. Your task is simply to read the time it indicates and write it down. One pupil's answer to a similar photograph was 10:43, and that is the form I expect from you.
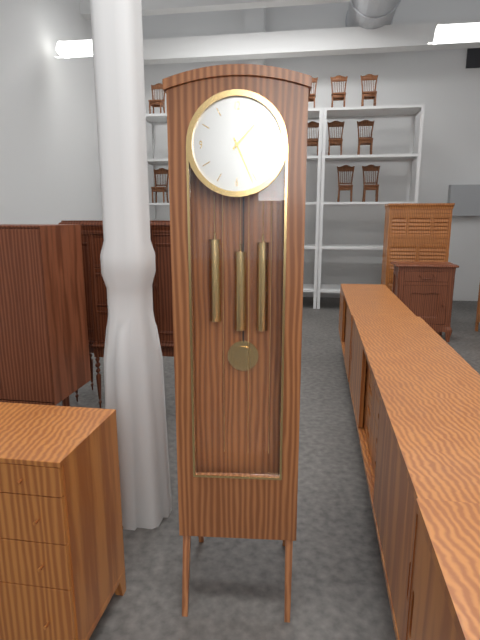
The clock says 1:26
